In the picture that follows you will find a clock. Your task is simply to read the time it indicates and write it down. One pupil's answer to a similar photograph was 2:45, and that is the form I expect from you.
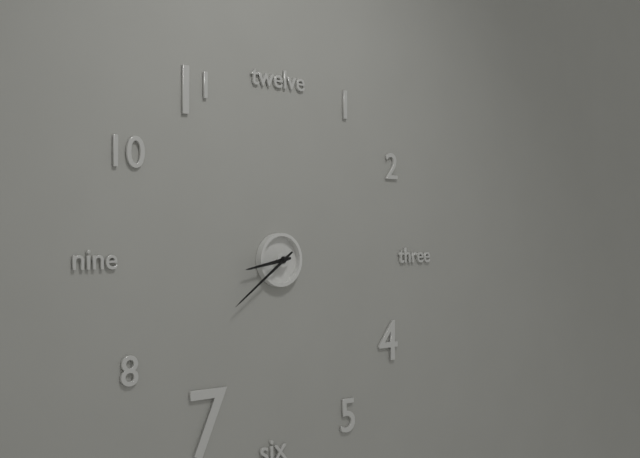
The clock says 8:39
